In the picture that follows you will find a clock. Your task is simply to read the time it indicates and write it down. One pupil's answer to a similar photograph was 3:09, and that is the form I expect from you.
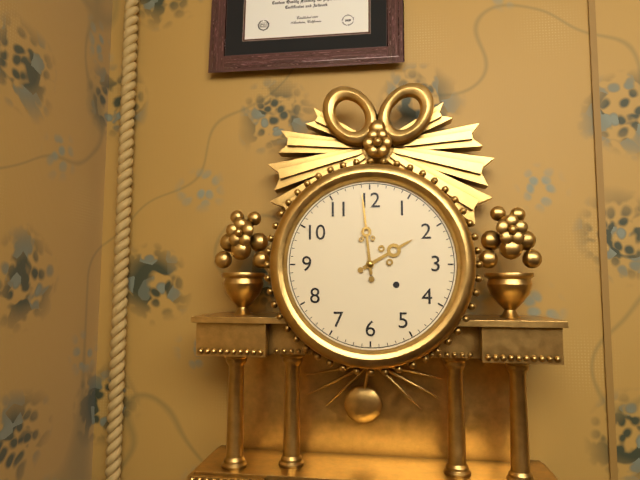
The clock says 1:59
